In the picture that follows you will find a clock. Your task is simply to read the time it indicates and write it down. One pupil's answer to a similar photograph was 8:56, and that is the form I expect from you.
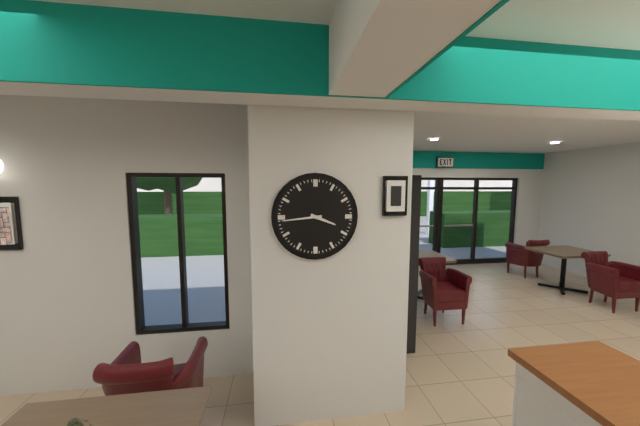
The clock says 3:44
